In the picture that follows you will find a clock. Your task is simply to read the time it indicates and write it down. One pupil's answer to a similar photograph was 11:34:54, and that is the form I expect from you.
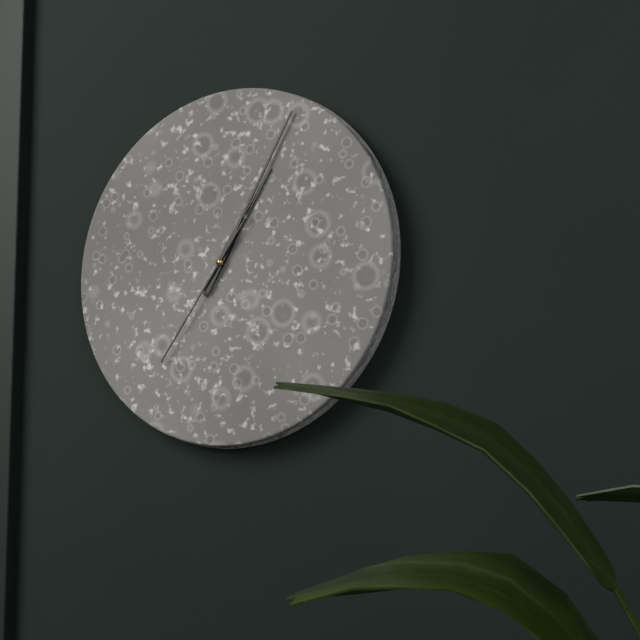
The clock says 1:05:36
